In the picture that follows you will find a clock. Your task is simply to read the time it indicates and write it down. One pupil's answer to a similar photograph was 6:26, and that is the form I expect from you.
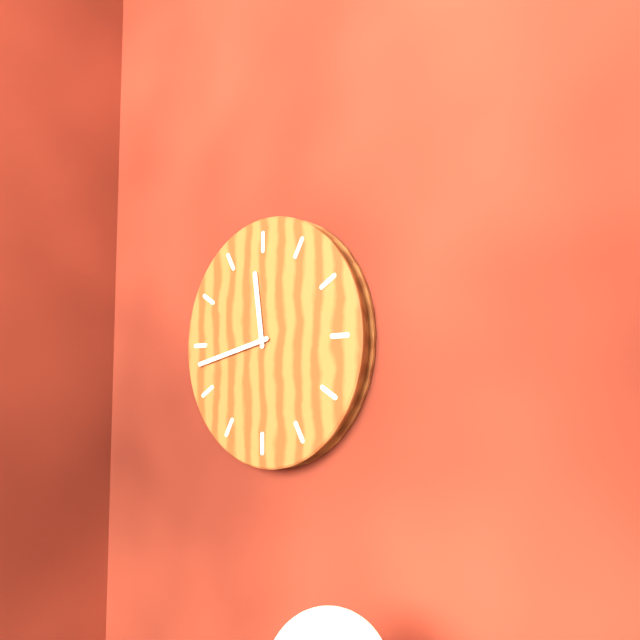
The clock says 11:43
